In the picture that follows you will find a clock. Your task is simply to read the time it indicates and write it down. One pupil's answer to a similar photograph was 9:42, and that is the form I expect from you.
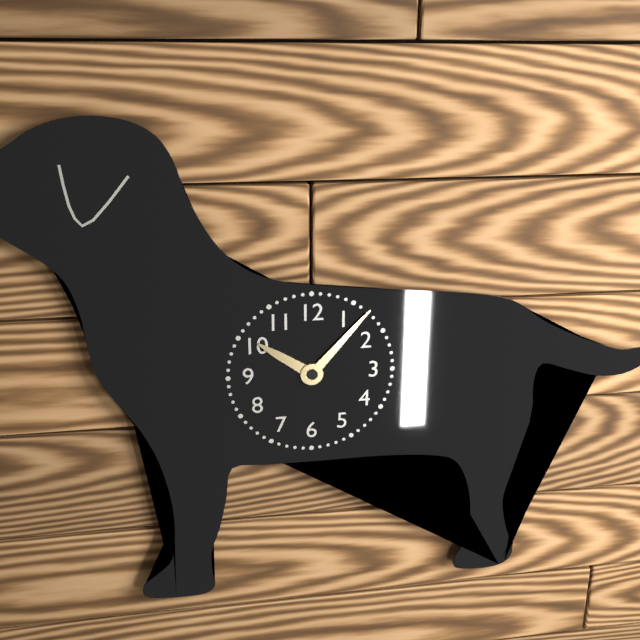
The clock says 10:07
